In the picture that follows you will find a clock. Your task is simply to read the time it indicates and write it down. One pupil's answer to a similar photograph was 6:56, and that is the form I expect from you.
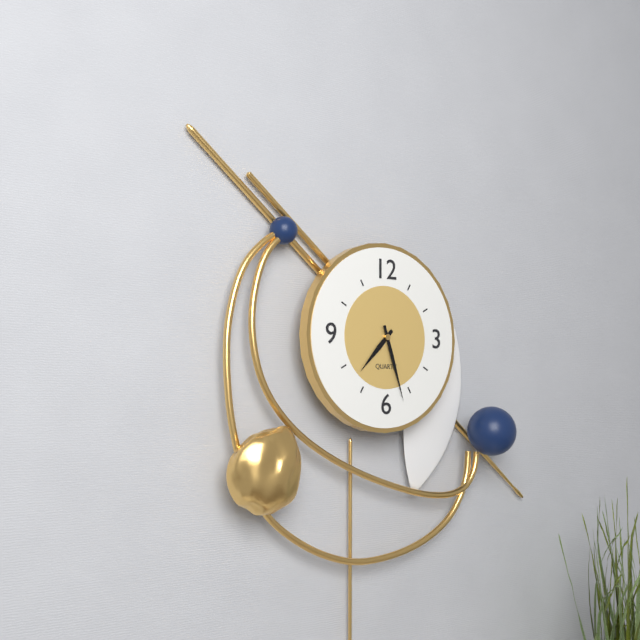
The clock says 7:27
